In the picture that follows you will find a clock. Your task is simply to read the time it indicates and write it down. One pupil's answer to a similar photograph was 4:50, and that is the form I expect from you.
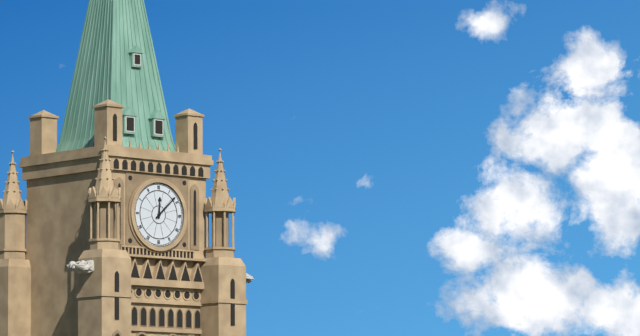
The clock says 12:08
